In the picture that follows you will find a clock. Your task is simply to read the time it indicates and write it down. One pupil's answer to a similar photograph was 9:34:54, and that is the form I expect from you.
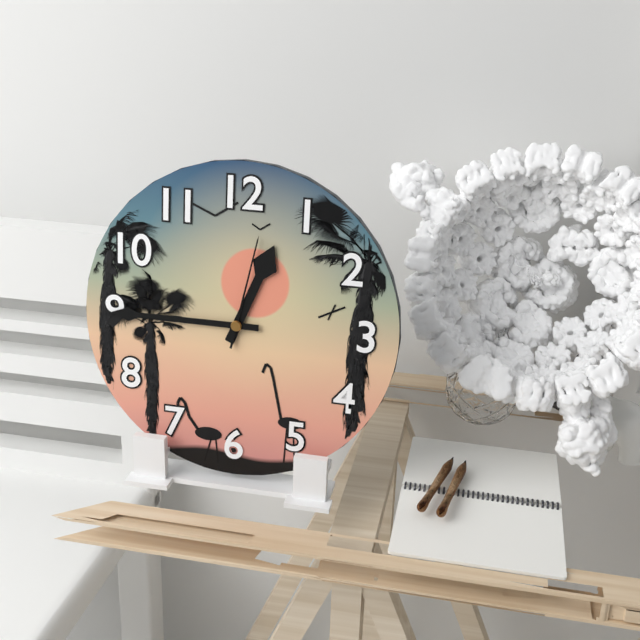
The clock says 12:45:02
